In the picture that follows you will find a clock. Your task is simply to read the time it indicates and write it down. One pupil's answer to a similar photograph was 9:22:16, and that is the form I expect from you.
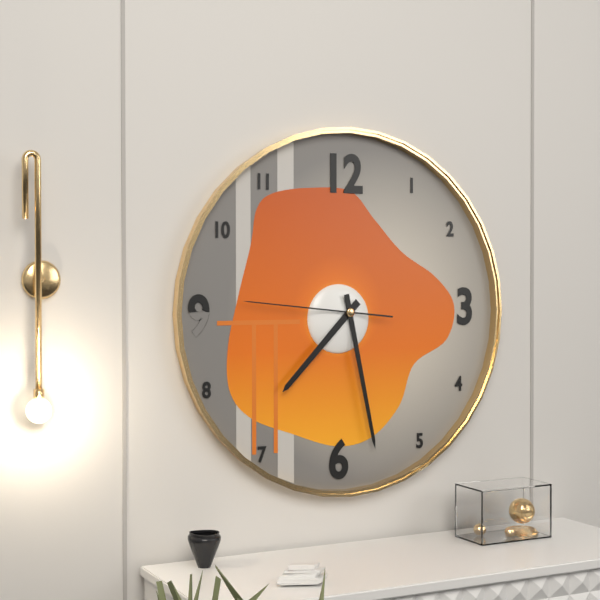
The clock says 7:28:46
